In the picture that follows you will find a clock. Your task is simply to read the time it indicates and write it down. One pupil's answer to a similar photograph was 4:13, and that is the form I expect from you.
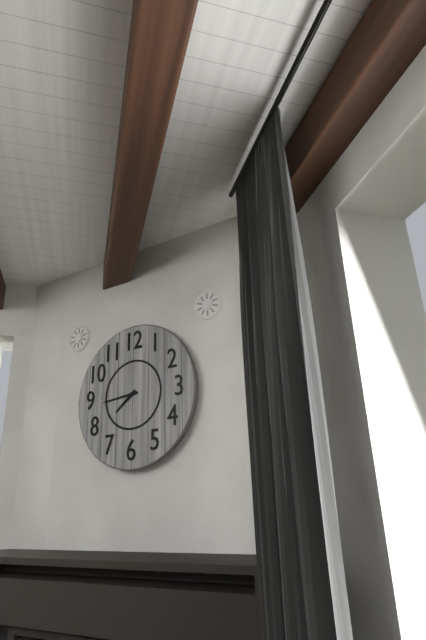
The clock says 7:44
